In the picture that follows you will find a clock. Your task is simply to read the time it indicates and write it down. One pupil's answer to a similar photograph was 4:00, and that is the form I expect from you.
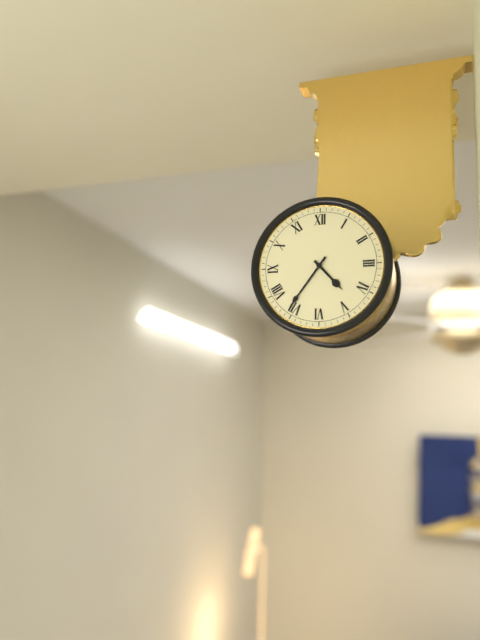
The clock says 4:36
